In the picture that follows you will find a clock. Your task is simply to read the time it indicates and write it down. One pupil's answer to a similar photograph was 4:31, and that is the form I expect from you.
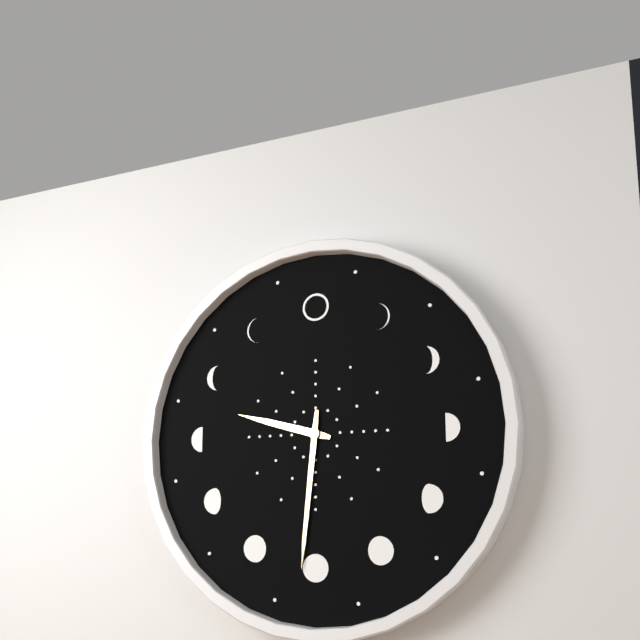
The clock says 9:31
